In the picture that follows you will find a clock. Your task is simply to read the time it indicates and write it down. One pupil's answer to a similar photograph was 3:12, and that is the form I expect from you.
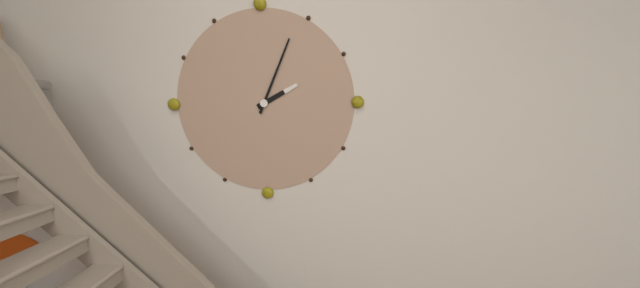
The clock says 2:04
